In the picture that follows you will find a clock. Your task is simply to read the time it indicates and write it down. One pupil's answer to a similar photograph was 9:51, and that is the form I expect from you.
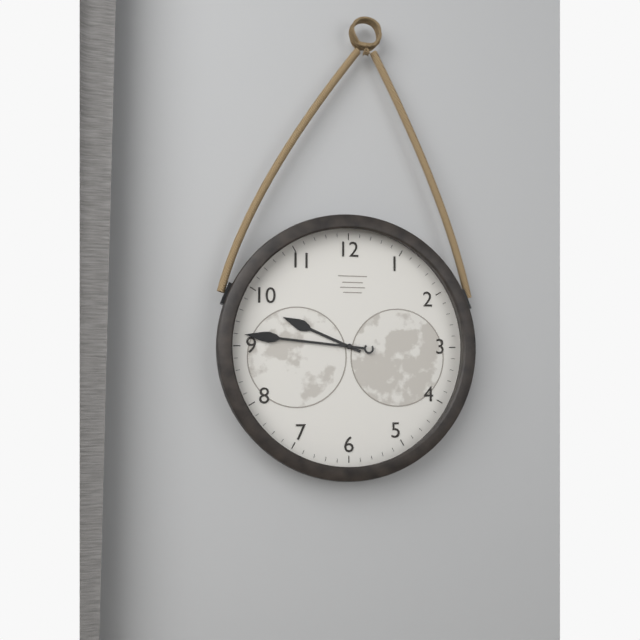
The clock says 9:46
